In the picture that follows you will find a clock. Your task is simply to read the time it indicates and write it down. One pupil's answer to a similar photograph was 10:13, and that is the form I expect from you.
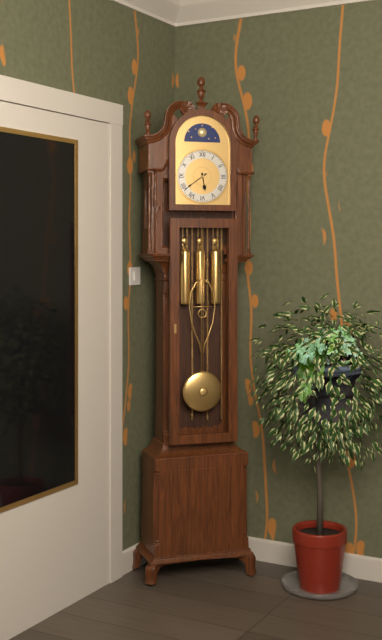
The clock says 5:39
